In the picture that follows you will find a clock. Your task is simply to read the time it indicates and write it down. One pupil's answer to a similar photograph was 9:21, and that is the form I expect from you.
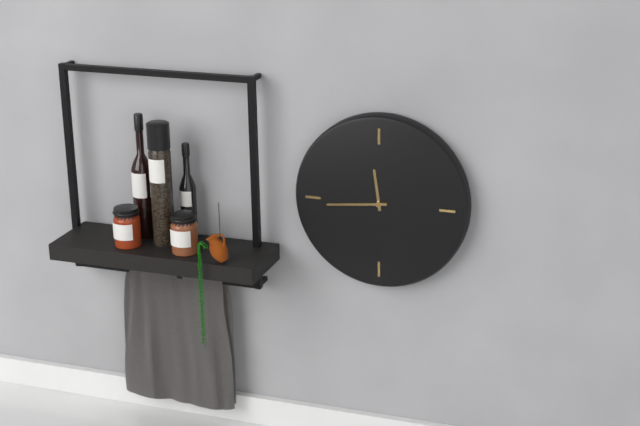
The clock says 11:44
